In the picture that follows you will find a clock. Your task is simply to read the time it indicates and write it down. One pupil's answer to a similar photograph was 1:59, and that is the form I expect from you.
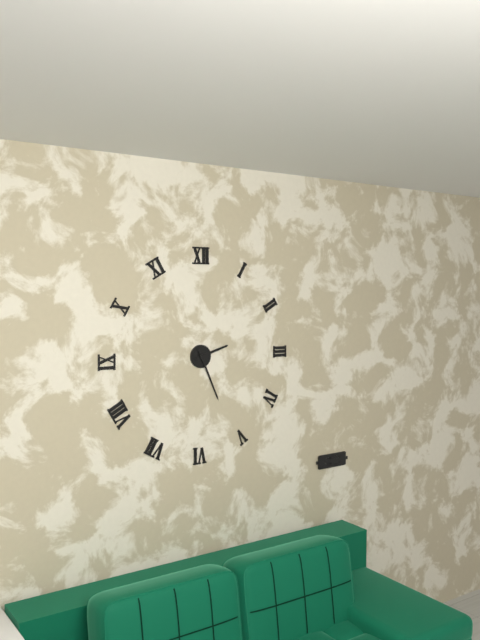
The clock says 2:26
